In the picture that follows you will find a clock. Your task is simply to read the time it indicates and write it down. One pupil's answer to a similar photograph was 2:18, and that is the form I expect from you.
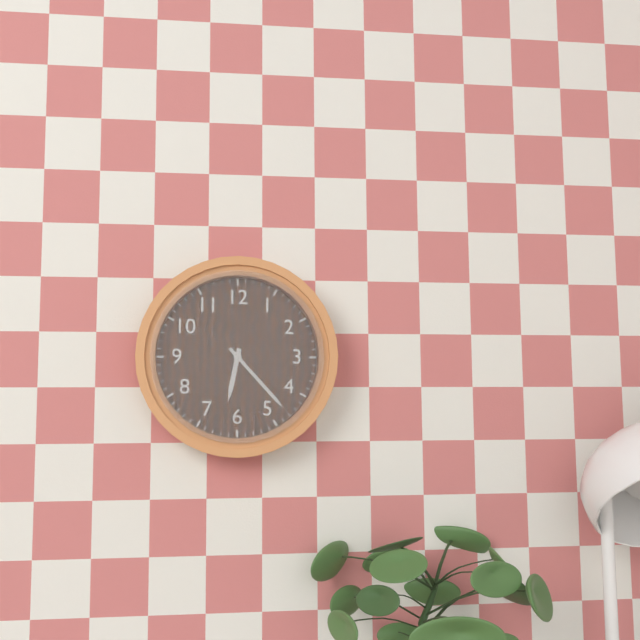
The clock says 6:23
